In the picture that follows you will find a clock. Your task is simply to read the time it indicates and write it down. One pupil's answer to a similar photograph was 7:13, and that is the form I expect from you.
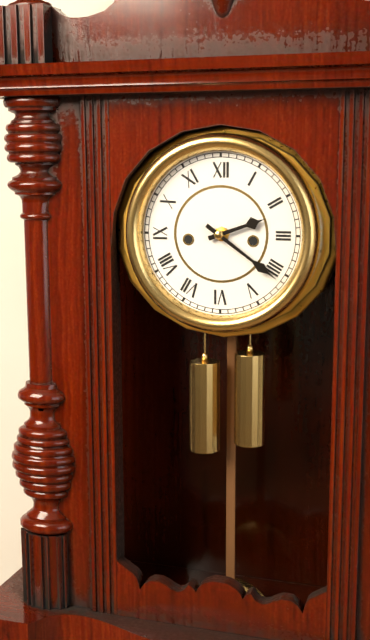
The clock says 2:21
